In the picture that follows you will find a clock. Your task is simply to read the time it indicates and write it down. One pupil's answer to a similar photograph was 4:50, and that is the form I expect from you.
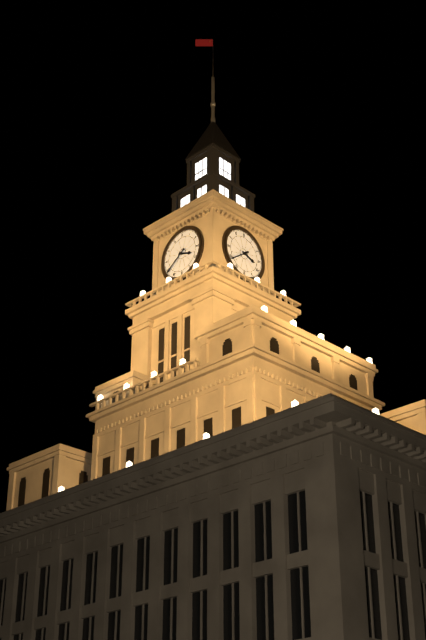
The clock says 3:39
